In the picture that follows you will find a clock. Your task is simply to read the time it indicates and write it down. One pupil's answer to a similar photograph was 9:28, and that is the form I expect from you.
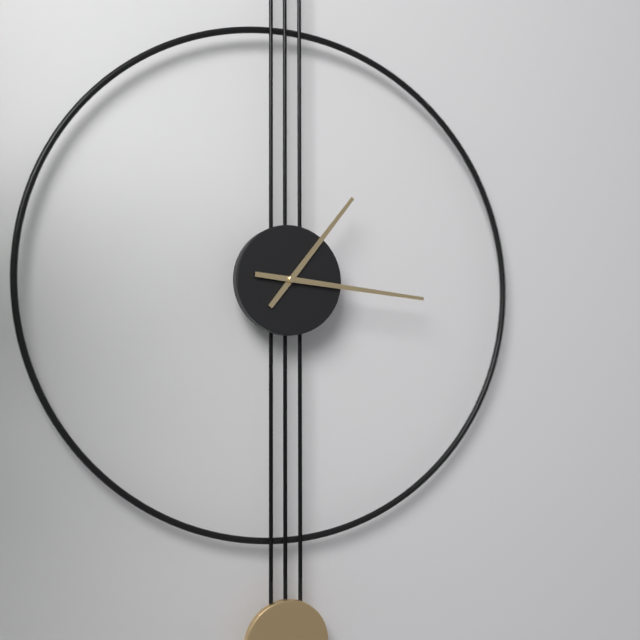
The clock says 1:16
